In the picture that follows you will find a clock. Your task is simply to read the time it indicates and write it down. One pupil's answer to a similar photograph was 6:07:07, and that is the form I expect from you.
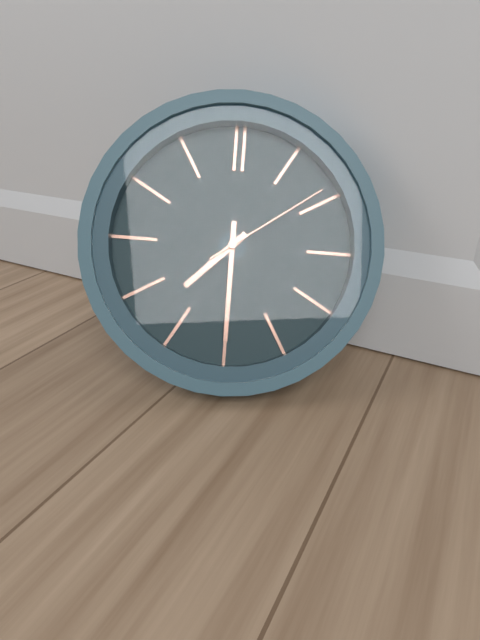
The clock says 7:30:09
